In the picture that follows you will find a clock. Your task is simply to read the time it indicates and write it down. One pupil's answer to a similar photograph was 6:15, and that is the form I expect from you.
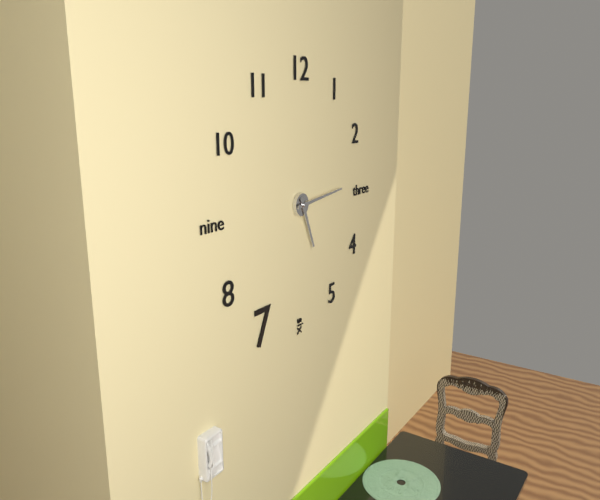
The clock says 5:14
